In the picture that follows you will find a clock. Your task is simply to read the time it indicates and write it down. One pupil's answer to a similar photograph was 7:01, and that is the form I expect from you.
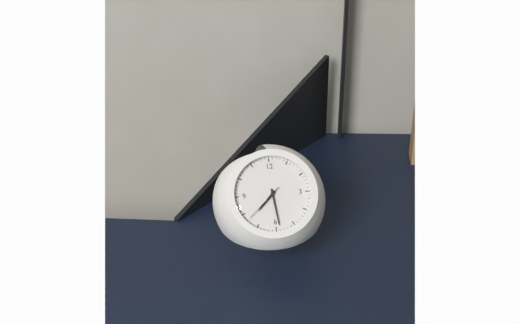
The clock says 7:29
